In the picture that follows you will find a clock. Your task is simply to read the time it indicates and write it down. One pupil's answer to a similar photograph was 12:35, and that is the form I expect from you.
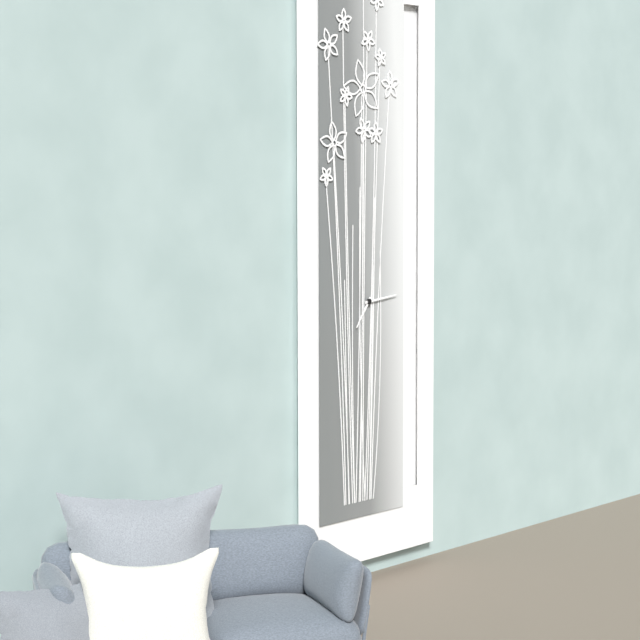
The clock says 7:14
